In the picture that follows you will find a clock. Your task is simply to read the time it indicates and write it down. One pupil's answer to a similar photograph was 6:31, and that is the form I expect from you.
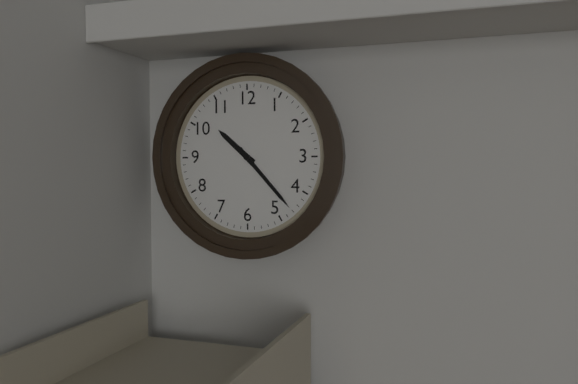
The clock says 10:23
